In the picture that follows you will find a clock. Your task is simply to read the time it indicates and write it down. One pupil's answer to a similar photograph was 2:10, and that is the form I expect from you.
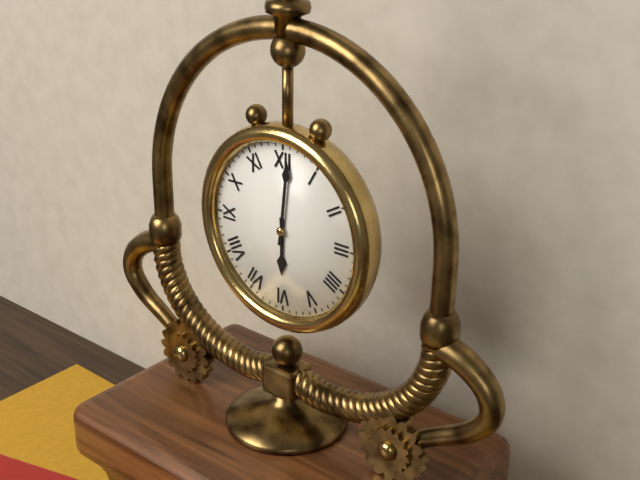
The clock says 6:01
